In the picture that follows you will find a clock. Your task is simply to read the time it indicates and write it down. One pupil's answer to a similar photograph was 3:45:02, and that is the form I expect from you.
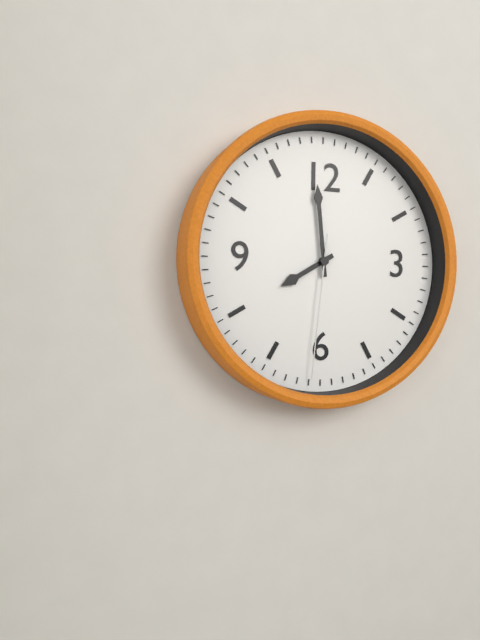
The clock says 7:59:31
